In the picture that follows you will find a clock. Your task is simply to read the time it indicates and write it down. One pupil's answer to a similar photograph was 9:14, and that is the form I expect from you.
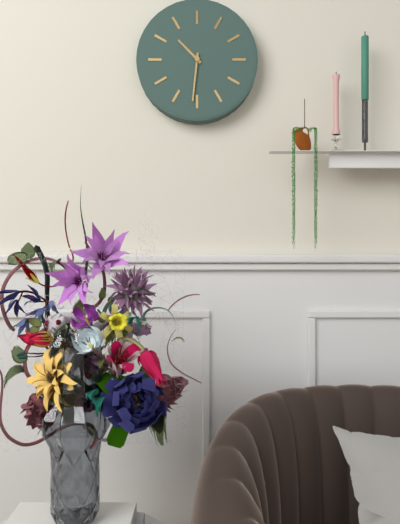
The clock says 10:31
